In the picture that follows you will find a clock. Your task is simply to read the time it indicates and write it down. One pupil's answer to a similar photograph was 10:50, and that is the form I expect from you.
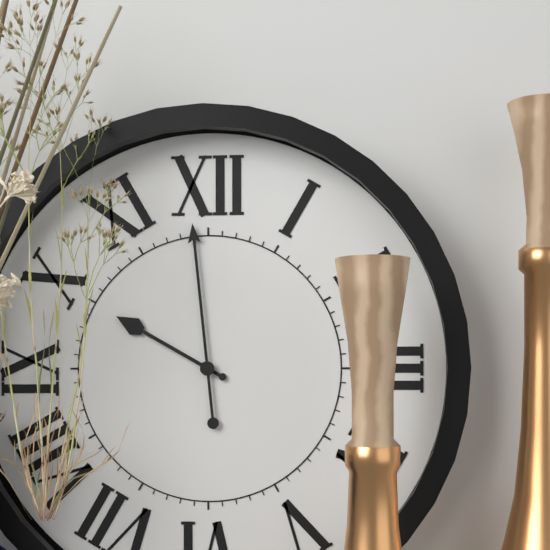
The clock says 9:59
